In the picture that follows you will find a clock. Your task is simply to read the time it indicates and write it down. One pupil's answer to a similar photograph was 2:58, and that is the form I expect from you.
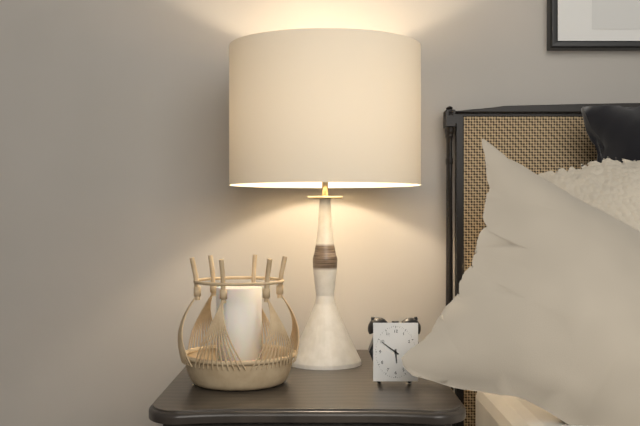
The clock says 5:51
